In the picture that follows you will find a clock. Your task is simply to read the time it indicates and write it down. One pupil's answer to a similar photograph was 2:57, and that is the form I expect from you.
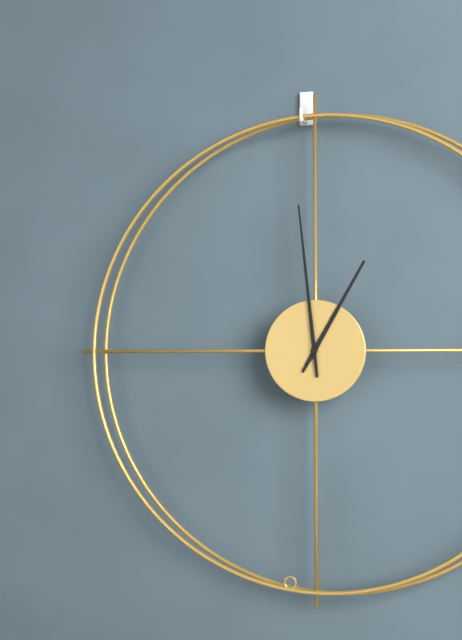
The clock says 12:59
